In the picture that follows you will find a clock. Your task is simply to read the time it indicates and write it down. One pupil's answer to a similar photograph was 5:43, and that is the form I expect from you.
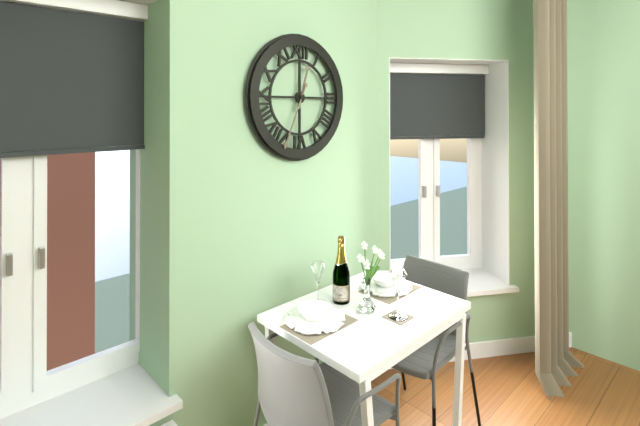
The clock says 12:34
